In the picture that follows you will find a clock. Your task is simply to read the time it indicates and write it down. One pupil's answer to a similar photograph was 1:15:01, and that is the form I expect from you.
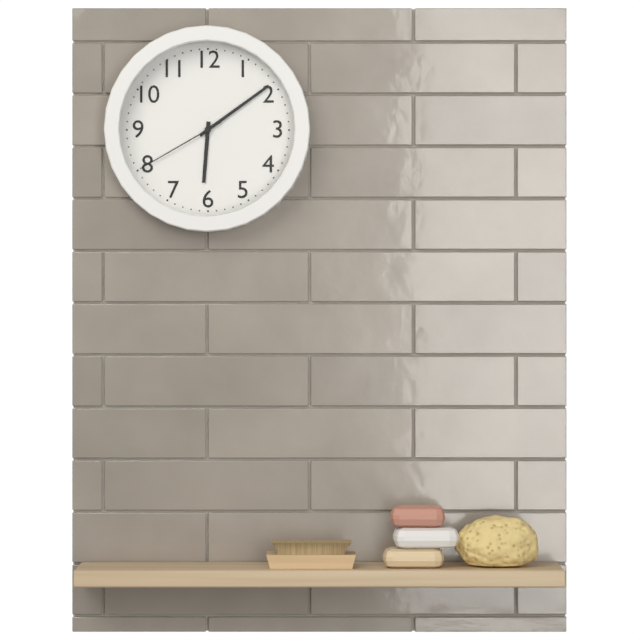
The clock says 6:09:40
